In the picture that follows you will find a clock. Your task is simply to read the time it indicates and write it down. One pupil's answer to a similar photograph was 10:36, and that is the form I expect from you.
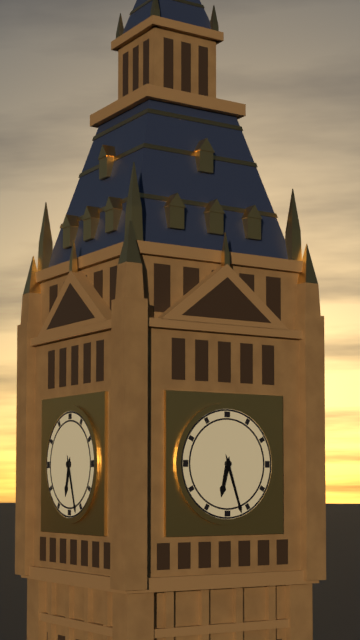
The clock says 6:27
